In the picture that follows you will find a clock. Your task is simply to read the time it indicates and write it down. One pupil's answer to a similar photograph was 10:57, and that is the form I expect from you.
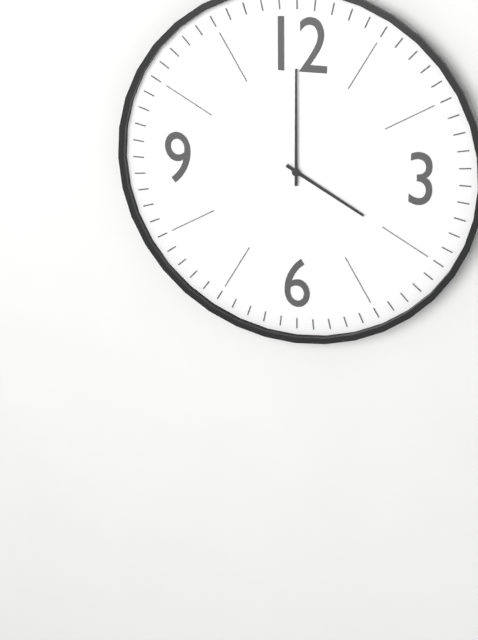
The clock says 4:00
